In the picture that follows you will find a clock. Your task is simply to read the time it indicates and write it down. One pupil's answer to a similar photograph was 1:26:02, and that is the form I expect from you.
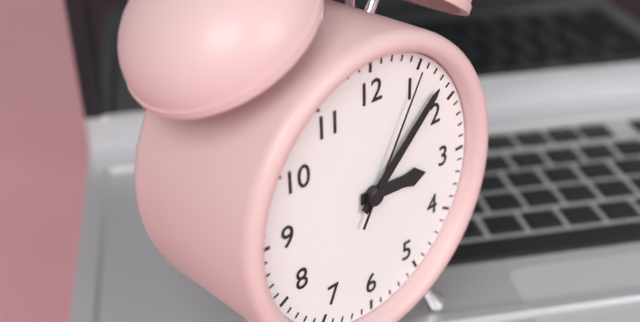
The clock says 3:08:05
